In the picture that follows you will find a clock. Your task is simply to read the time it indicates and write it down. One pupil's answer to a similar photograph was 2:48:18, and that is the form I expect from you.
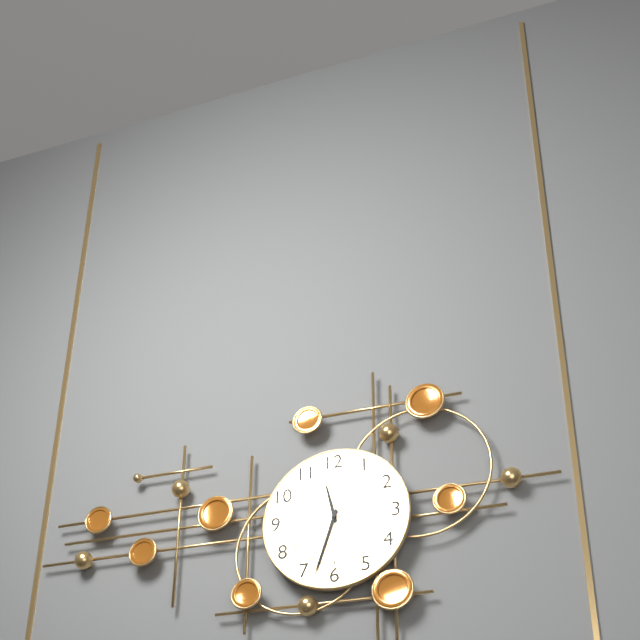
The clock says 11:33:39
